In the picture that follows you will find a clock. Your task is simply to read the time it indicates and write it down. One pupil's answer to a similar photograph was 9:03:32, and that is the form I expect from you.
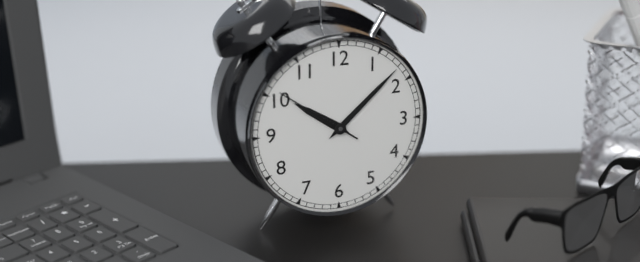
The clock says 10:08:51
